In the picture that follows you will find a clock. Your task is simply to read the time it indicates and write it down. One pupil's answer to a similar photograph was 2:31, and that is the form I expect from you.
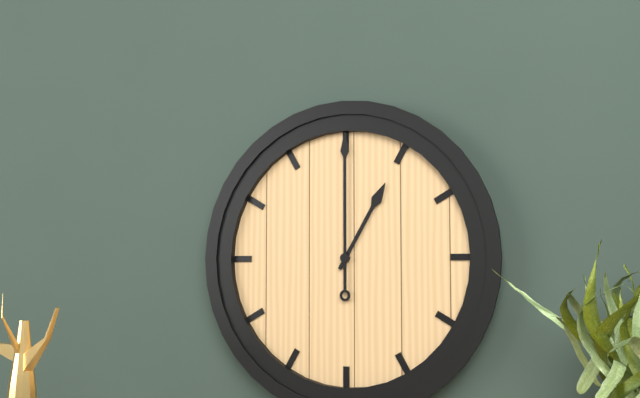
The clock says 1:00
